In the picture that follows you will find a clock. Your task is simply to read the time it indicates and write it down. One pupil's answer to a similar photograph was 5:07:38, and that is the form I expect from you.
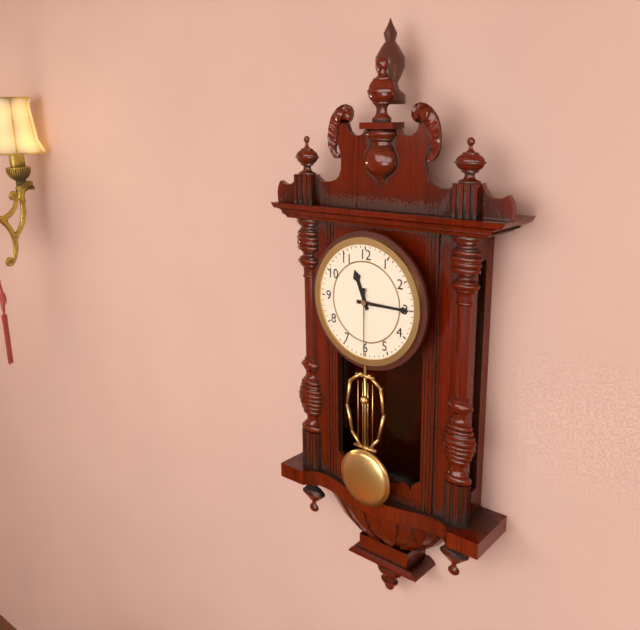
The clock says 11:15:30
